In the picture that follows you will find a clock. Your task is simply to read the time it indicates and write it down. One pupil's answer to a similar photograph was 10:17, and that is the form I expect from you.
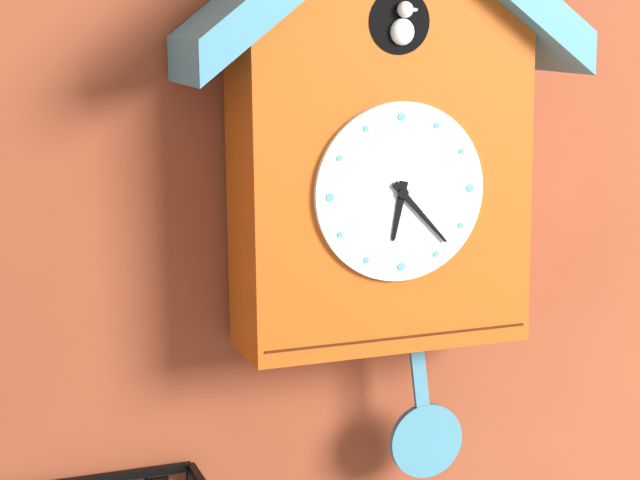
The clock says 6:23
